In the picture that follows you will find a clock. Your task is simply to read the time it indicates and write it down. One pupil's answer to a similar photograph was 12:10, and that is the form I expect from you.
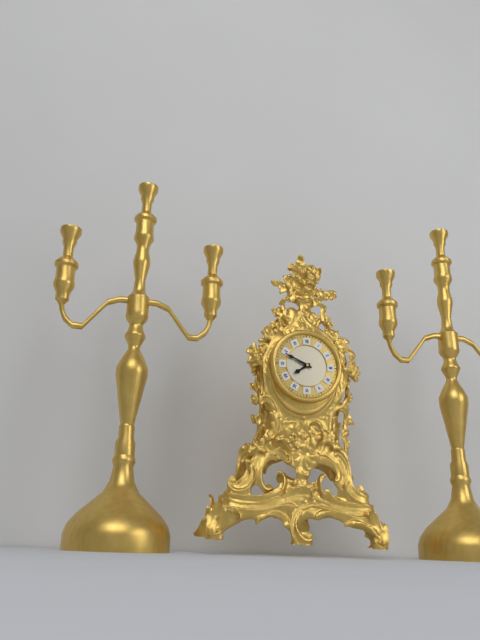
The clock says 7:49
